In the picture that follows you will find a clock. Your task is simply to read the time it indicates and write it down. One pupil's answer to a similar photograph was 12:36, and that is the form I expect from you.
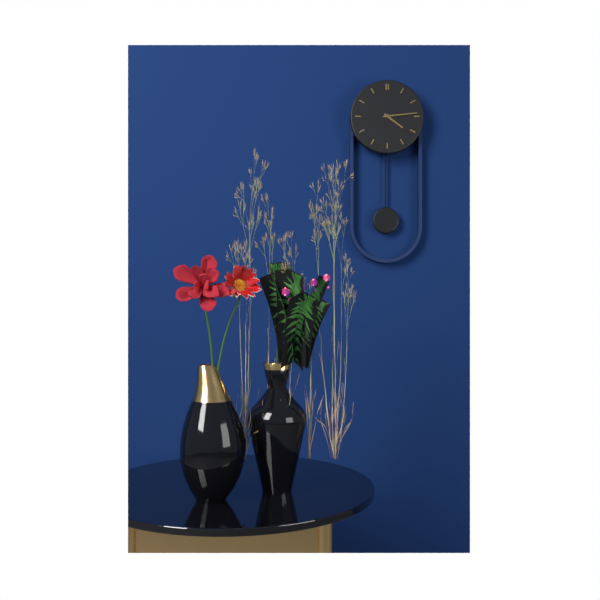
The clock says 4:14
